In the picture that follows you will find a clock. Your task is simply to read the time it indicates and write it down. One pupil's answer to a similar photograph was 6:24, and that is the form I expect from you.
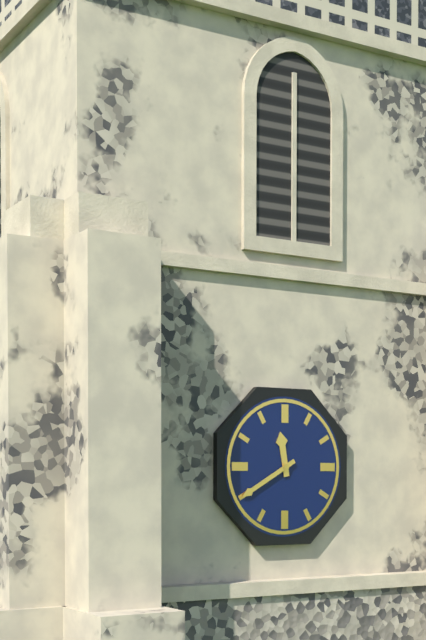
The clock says 11:40
